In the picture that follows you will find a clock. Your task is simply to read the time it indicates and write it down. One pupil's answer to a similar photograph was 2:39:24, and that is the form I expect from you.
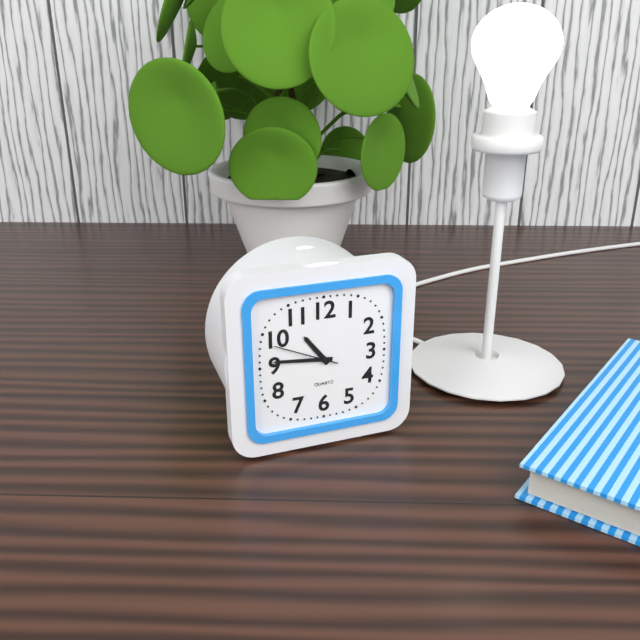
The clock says 10:46:49
